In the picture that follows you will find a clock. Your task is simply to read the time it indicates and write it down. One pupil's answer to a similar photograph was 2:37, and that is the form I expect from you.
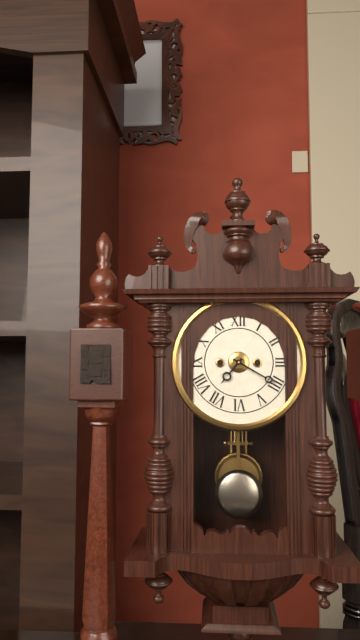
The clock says 7:20
